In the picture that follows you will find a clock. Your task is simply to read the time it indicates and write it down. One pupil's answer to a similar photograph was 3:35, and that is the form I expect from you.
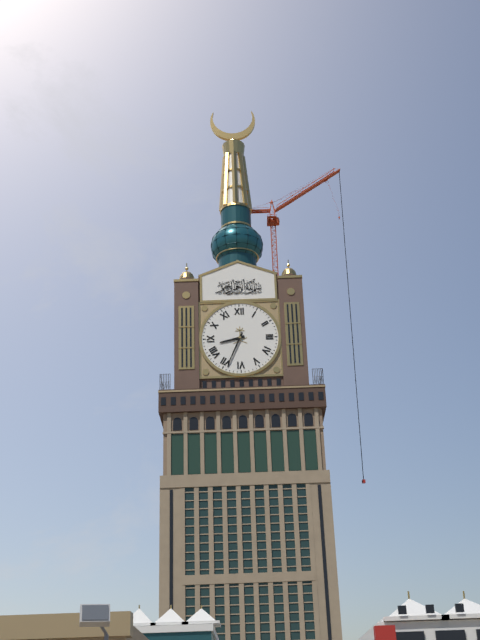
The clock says 8:34
